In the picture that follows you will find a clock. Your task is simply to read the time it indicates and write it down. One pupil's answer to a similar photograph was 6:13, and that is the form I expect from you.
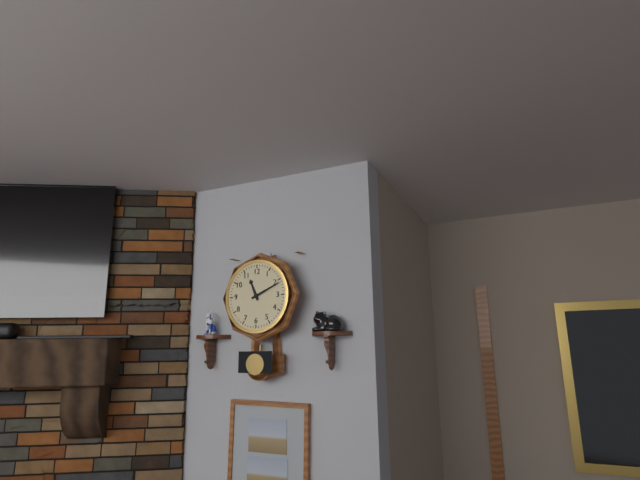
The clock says 11:11
